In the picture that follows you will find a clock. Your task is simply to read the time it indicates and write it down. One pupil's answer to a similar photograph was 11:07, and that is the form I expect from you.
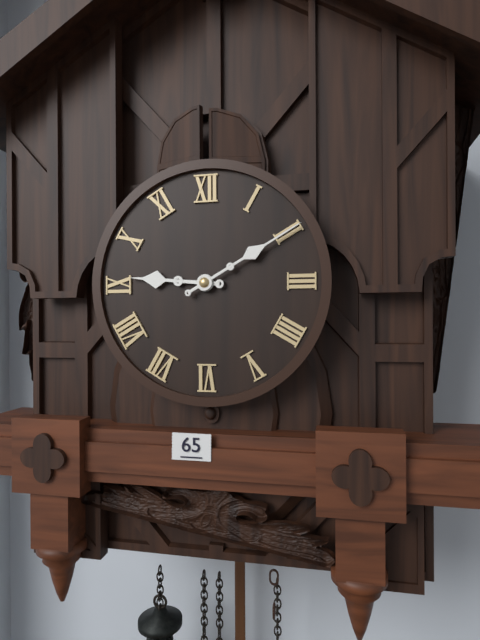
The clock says 9:10
